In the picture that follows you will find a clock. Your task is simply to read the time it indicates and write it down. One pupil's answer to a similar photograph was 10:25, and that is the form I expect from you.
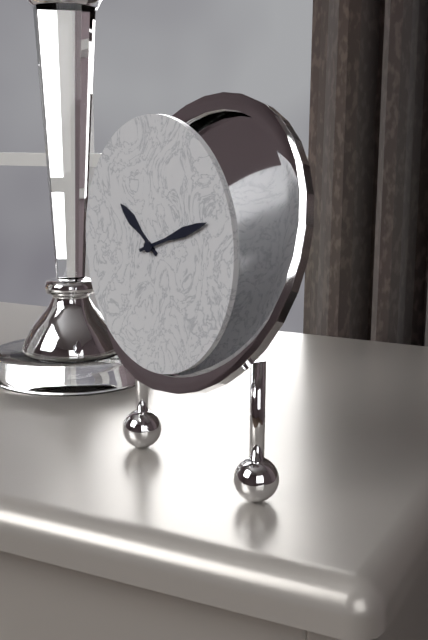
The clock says 10:12
